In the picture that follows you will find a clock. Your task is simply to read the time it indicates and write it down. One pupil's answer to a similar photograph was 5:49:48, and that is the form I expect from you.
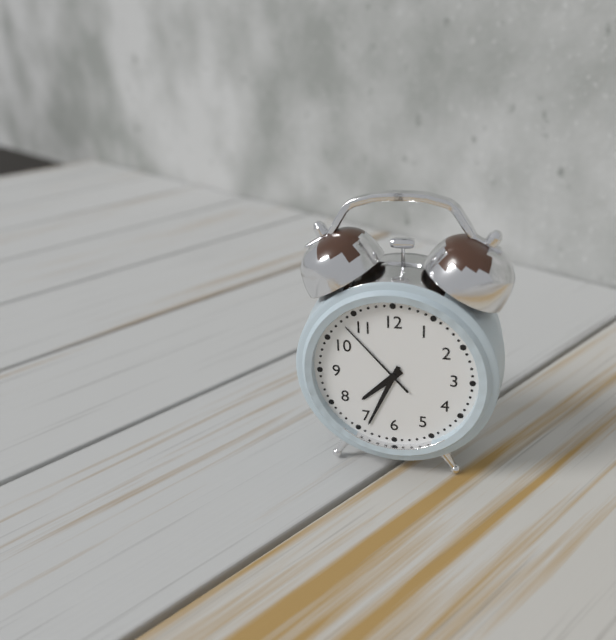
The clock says 7:34:53
